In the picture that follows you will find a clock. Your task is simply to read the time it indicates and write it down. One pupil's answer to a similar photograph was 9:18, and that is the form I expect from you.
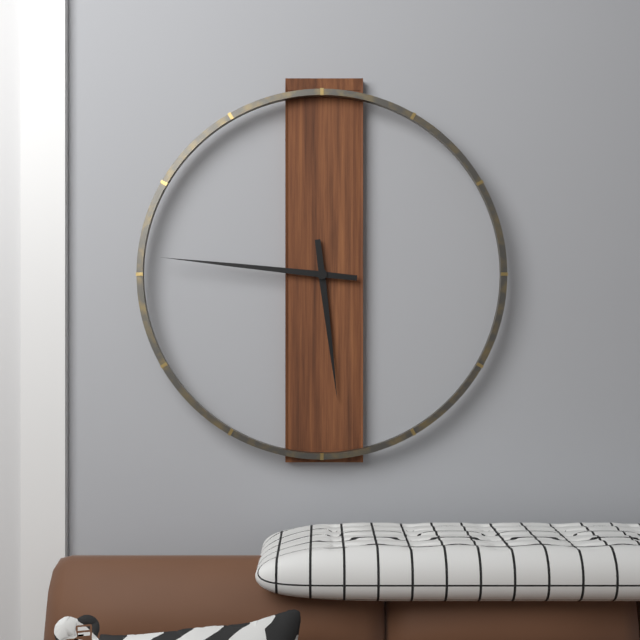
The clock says 5:46
